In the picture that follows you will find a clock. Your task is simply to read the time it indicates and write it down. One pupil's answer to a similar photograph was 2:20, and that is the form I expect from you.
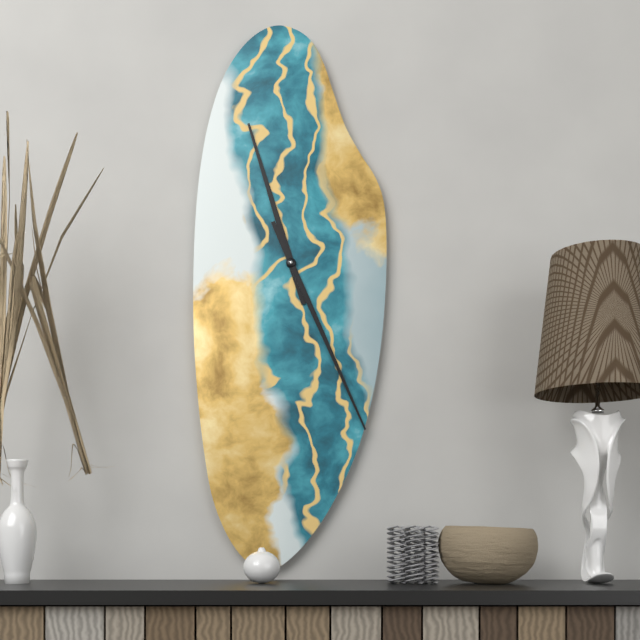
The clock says 11:26
